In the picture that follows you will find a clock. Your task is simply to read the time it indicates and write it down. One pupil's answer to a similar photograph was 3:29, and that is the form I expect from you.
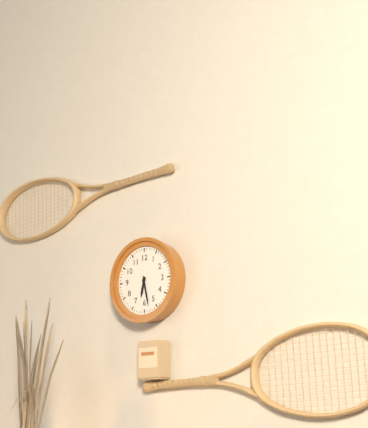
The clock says 6:28
